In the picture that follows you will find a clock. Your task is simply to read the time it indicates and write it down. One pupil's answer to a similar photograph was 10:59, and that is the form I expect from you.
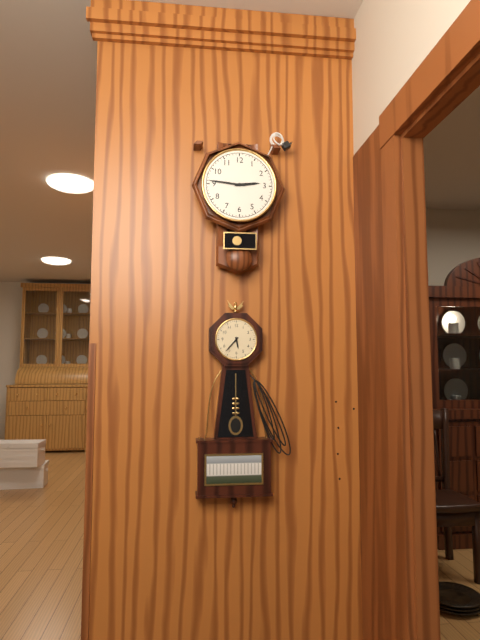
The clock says 2:46
